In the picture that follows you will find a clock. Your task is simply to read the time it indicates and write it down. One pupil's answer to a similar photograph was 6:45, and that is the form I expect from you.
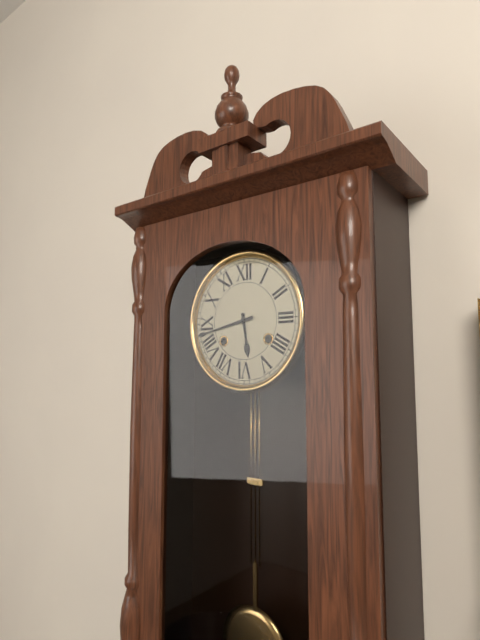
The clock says 5:43
